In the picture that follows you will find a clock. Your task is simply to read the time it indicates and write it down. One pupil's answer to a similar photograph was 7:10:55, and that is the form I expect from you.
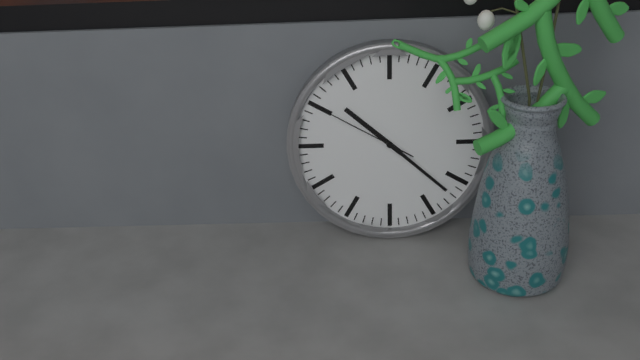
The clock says 10:22:50
